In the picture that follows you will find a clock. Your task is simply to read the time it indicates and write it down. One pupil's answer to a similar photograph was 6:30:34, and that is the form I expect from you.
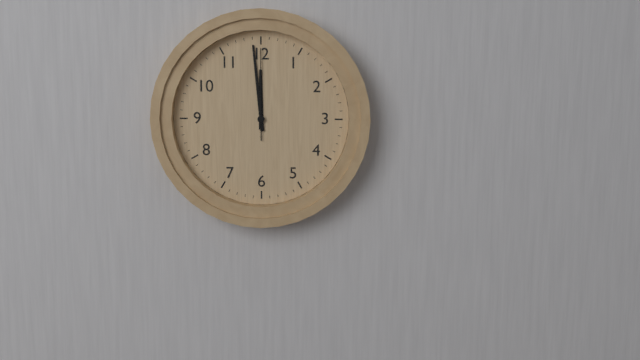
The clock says 11:59:00
